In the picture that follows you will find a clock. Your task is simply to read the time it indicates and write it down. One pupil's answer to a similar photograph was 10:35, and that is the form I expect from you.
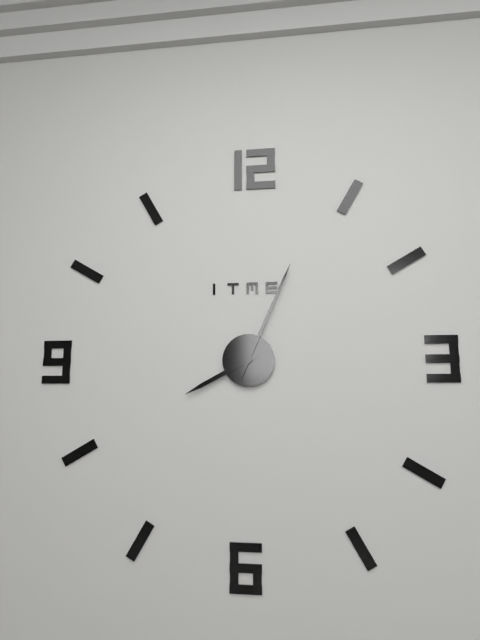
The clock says 8:04
